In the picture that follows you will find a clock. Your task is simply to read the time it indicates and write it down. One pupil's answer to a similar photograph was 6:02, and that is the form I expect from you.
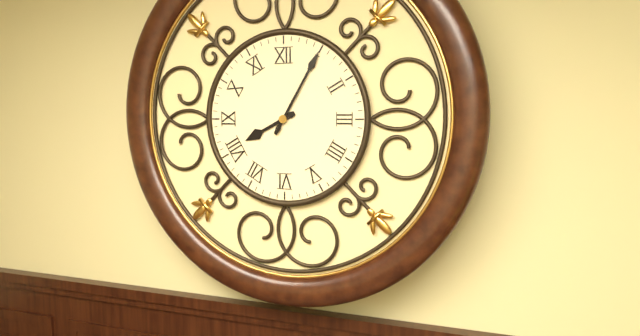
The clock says 8:05
